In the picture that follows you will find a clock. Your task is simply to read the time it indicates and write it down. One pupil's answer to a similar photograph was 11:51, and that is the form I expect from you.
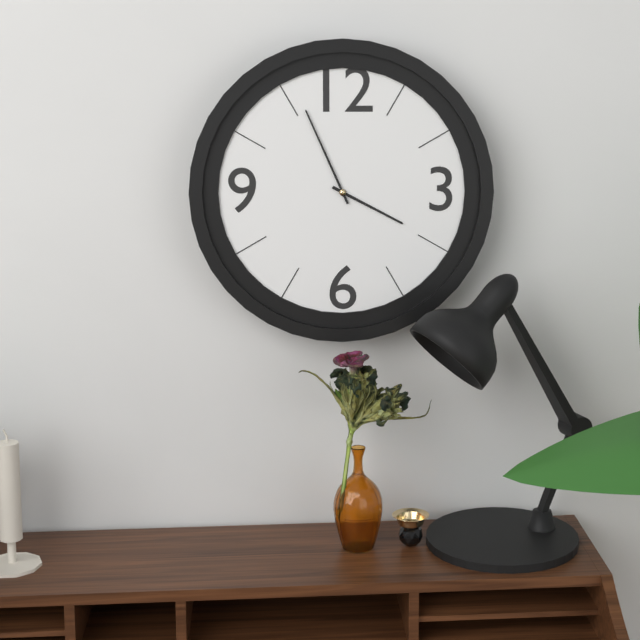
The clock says 3:56
